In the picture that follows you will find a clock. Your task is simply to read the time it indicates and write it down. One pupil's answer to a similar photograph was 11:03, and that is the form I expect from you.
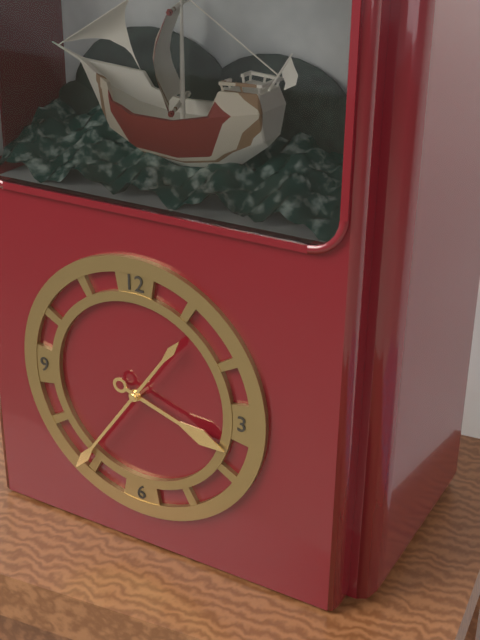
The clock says 3:36
